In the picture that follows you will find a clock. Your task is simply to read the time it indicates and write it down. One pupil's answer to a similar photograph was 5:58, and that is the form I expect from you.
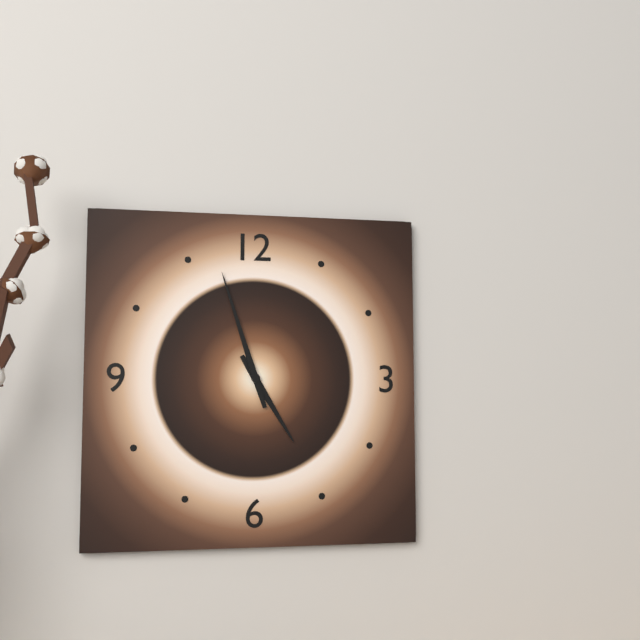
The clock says 4:57
